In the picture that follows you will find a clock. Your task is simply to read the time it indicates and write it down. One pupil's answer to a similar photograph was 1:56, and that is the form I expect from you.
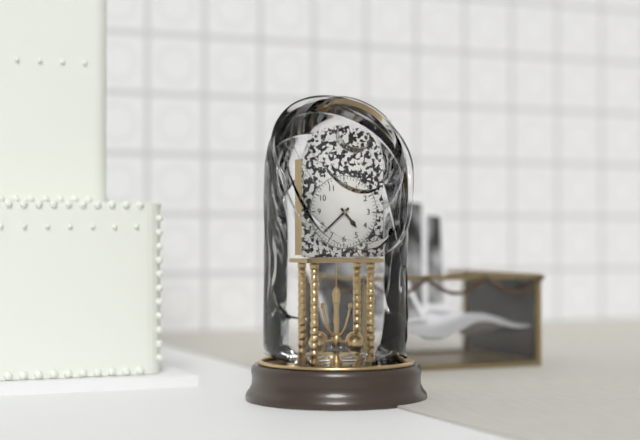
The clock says 4:38
